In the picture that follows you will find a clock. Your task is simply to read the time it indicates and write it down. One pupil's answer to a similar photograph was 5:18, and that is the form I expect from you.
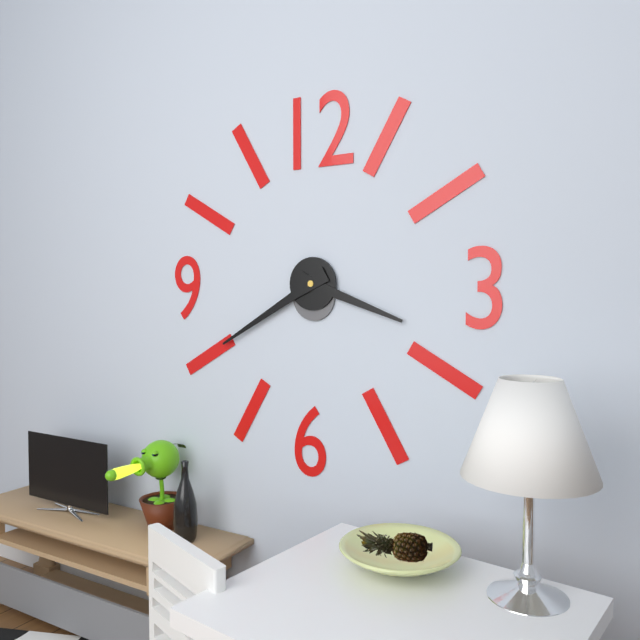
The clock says 3:40
